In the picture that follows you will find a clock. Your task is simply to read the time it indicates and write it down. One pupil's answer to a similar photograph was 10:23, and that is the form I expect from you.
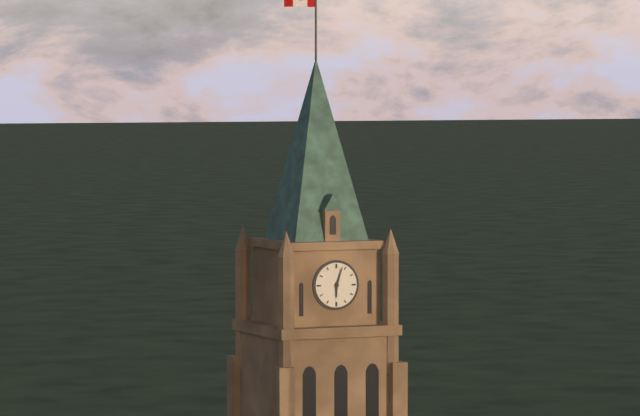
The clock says 6:03
